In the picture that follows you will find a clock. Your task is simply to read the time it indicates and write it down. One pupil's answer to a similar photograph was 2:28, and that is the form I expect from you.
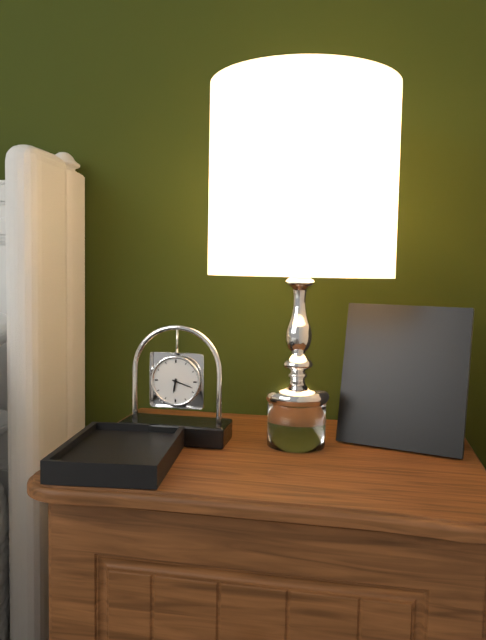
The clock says 6:18
